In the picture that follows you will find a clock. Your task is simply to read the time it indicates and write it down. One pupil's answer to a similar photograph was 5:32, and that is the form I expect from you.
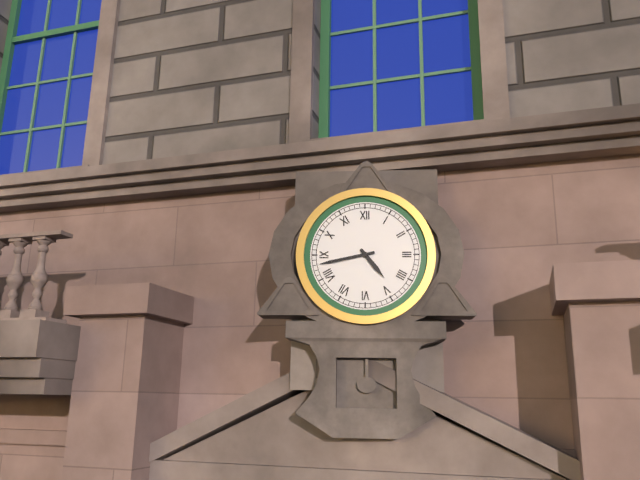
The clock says 4:43
